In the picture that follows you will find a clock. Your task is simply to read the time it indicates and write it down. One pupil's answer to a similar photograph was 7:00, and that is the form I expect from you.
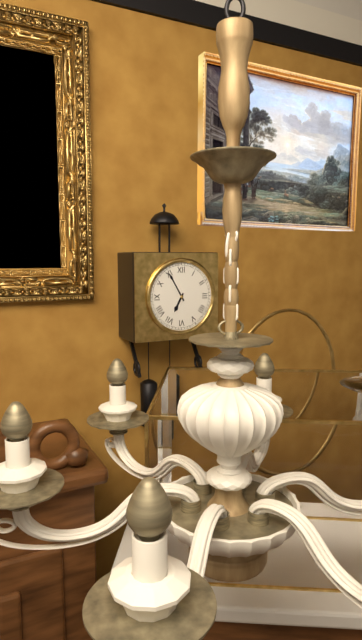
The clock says 6:55
